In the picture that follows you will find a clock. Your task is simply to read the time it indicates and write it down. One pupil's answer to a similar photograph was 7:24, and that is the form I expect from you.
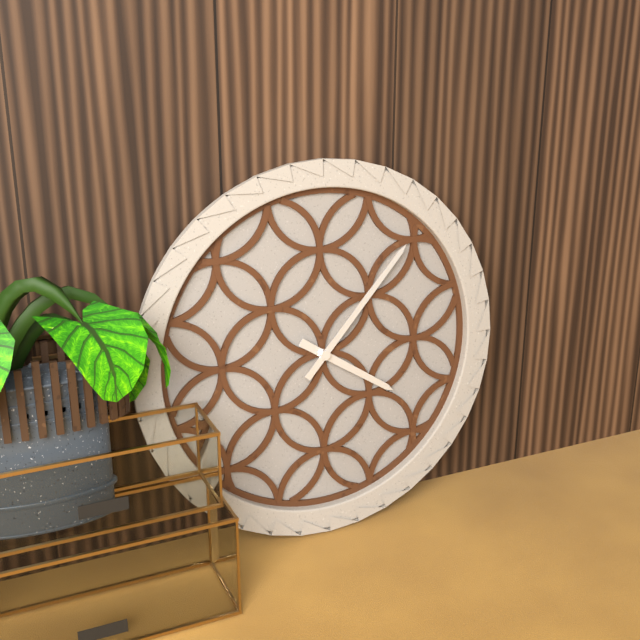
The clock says 4:07
